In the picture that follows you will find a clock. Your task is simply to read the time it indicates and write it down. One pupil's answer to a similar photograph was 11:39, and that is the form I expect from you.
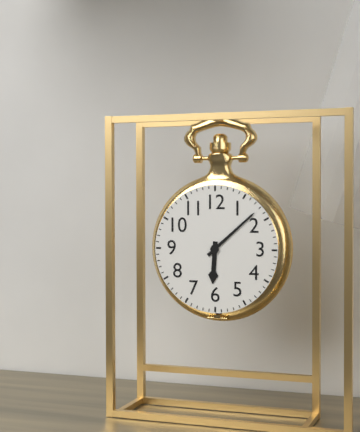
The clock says 6:08
